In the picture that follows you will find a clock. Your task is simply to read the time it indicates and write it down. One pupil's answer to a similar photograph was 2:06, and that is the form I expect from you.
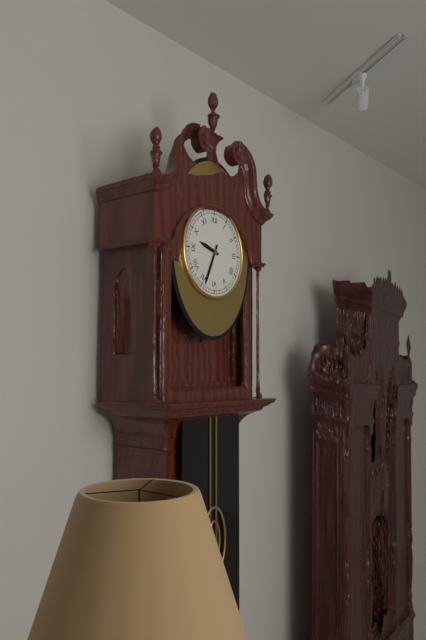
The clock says 9:34
